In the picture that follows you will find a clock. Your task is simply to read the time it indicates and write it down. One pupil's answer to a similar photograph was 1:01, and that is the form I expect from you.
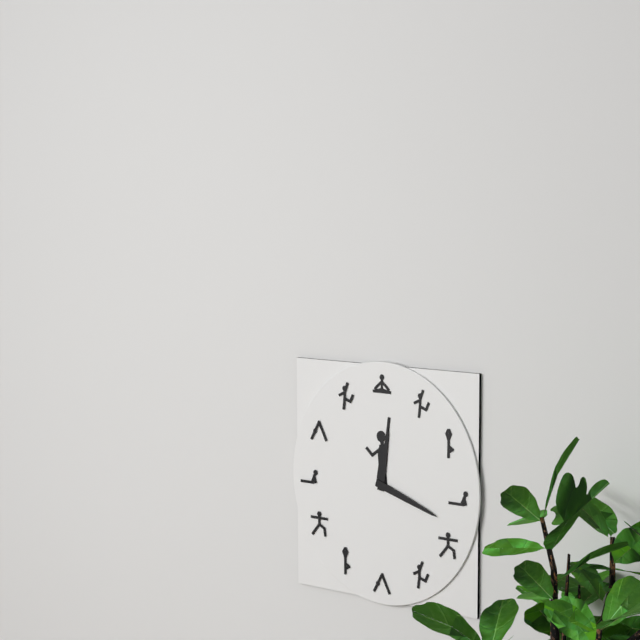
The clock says 12:18
